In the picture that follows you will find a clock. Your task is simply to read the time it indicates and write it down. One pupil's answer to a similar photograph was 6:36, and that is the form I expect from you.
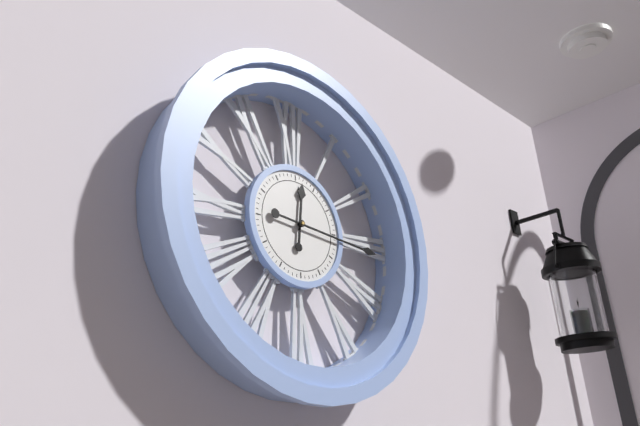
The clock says 12:16
